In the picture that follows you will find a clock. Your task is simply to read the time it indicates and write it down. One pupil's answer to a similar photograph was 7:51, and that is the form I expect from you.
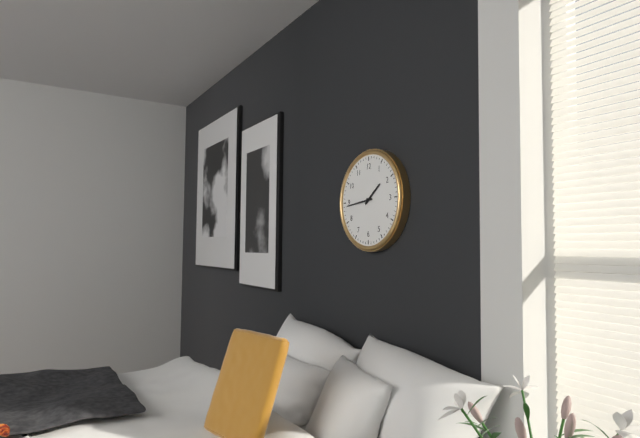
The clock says 1:44
